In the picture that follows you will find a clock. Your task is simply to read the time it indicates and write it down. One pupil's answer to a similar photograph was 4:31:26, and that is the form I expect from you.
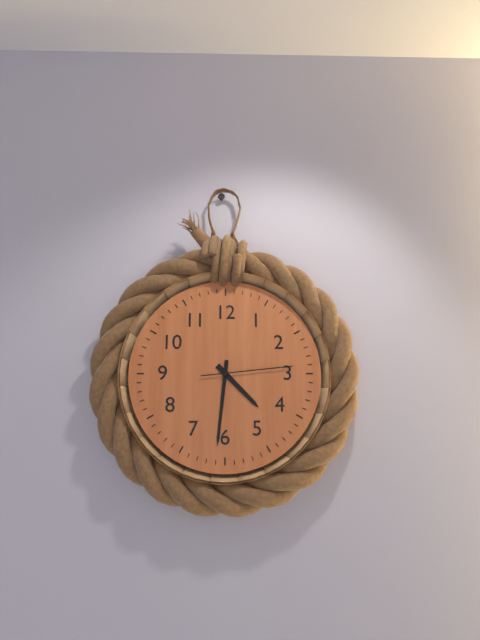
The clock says 4:31:14
